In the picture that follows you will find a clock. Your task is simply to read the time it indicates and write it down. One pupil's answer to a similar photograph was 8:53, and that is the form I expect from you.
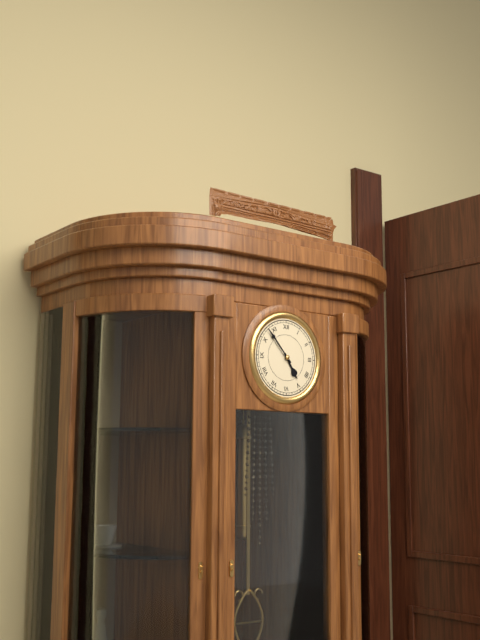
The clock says 4:53
